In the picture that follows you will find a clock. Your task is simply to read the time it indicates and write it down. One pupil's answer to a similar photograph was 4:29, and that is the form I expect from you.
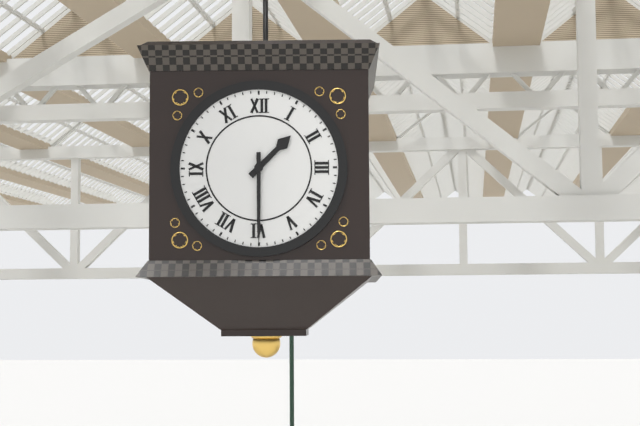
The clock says 1:30
